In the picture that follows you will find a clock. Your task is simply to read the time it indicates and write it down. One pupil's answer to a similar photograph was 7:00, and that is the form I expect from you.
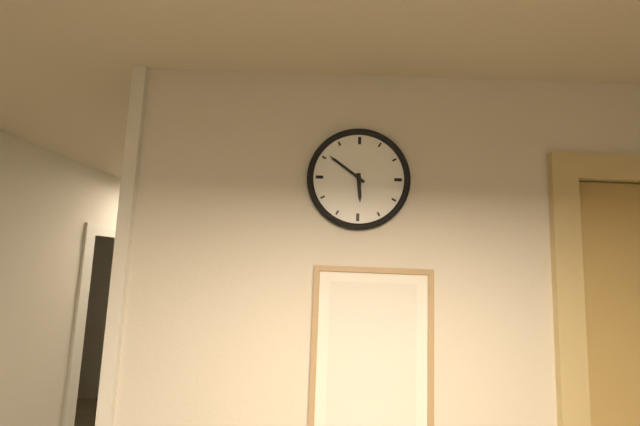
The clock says 5:51
